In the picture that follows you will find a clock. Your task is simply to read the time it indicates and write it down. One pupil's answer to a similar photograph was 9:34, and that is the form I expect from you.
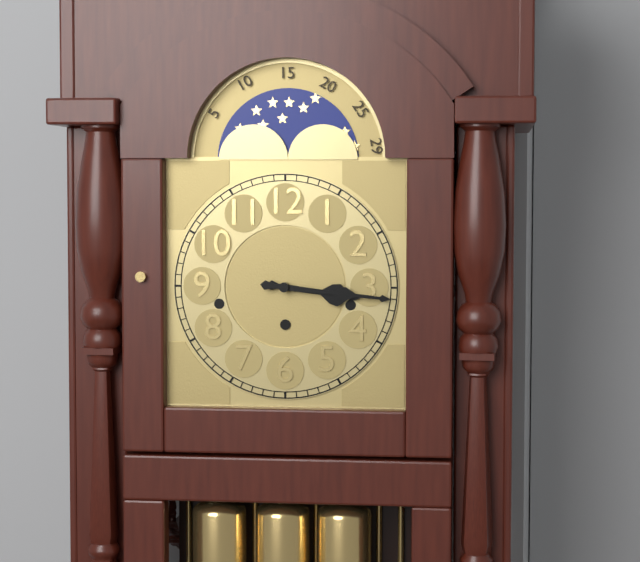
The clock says 3:16
